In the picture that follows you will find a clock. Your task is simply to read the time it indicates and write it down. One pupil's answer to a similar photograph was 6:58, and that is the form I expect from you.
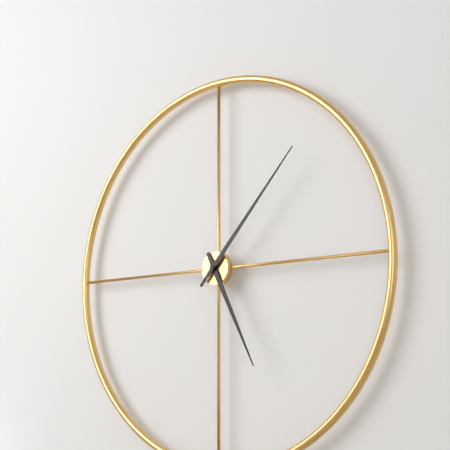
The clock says 5:07
